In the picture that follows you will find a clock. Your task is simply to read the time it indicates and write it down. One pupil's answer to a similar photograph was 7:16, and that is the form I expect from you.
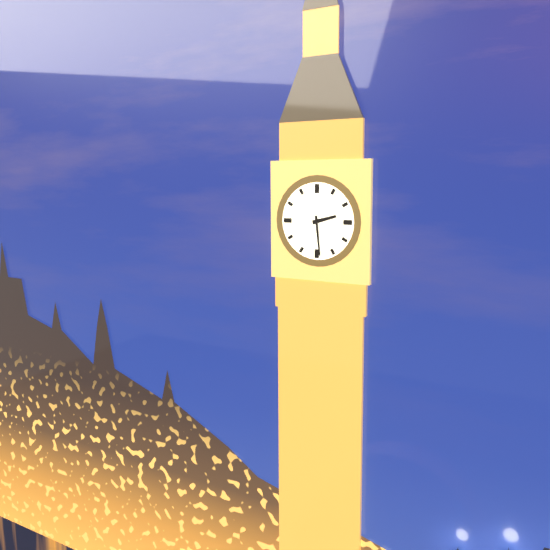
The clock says 2:29
